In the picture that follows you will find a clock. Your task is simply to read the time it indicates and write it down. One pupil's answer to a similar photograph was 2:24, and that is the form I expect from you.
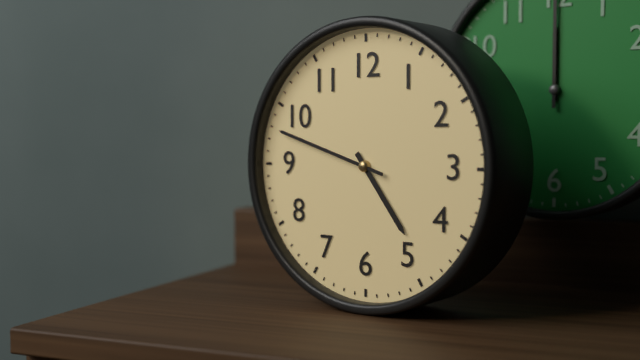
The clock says 4:48
